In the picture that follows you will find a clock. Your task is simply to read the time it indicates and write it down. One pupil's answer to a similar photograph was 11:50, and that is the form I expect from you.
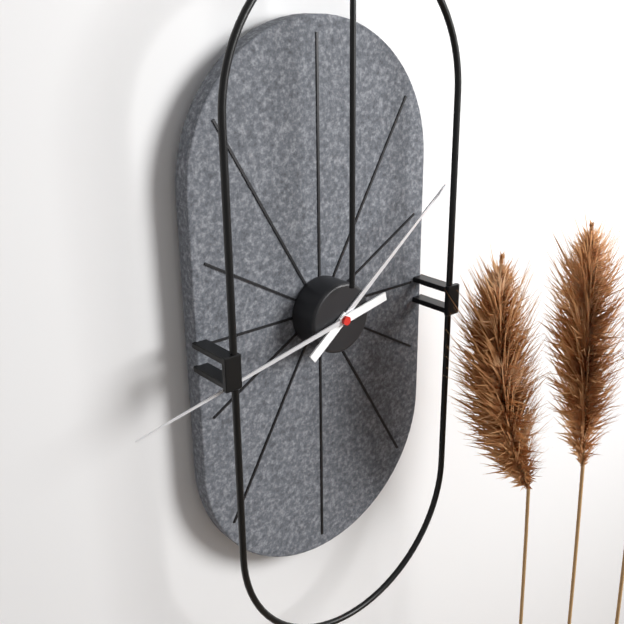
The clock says 1:43
